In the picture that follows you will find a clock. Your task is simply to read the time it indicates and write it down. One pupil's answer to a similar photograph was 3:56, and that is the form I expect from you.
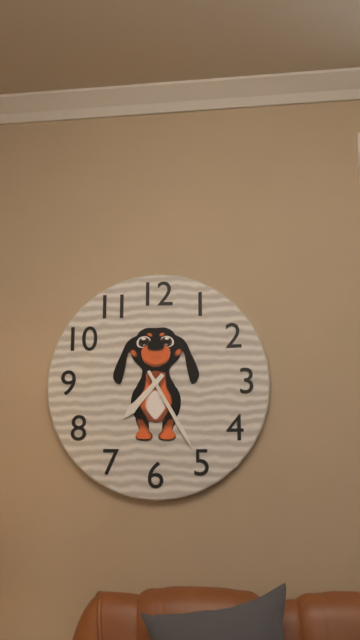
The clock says 7:25
